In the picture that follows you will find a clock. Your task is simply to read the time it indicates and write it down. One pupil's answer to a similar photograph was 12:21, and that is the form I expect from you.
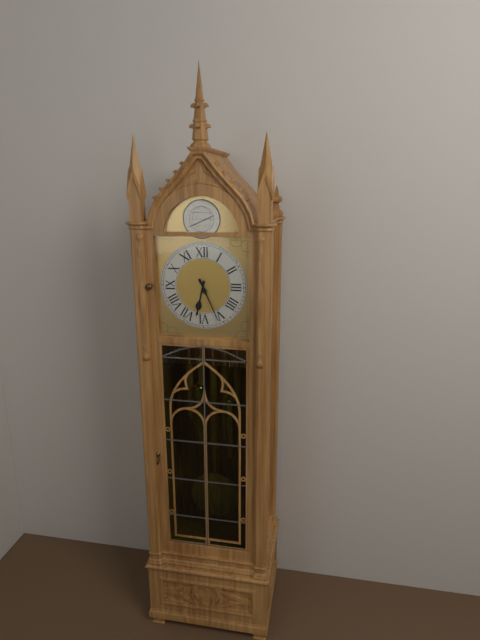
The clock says 6:26
